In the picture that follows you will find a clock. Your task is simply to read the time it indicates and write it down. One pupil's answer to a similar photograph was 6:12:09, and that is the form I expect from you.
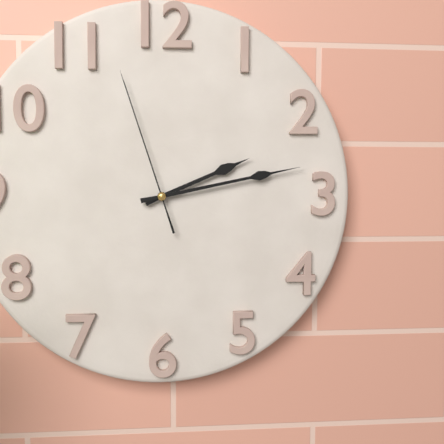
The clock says 2:13:57
